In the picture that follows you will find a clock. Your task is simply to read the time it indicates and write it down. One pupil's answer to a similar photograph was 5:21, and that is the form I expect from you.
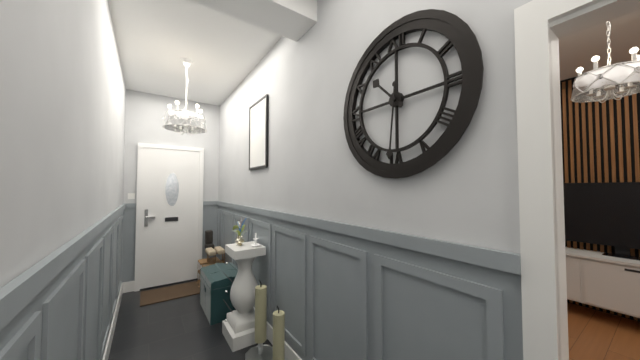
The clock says 10:31
